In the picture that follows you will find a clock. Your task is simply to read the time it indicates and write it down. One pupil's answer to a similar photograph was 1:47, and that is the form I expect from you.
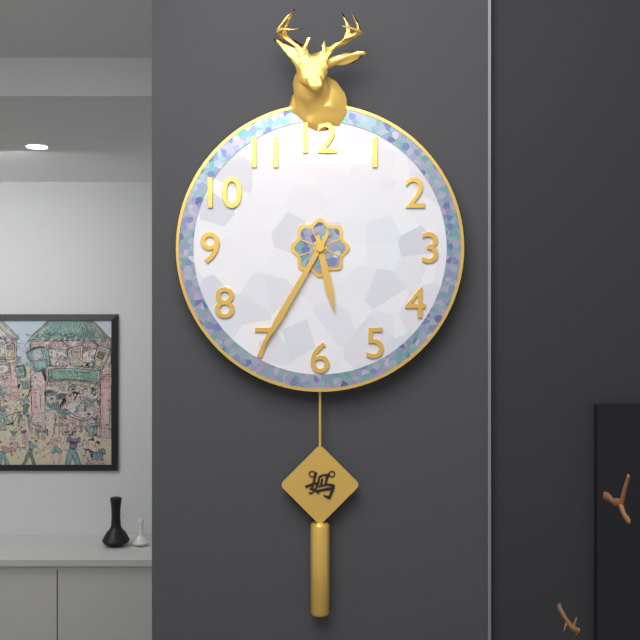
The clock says 5:35
